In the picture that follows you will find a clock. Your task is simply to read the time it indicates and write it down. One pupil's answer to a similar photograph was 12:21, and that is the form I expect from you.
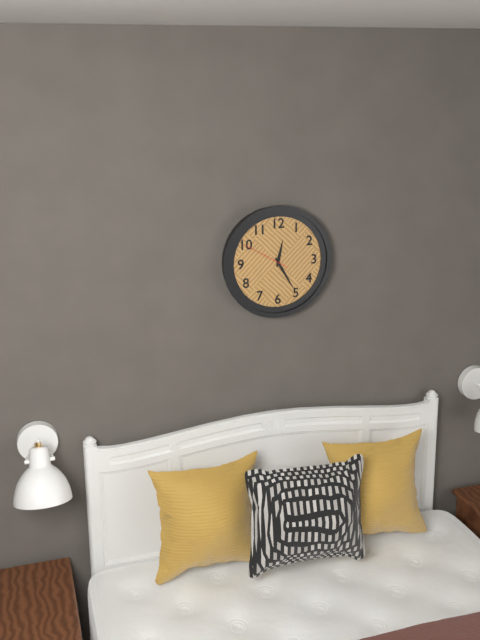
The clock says 12:25
